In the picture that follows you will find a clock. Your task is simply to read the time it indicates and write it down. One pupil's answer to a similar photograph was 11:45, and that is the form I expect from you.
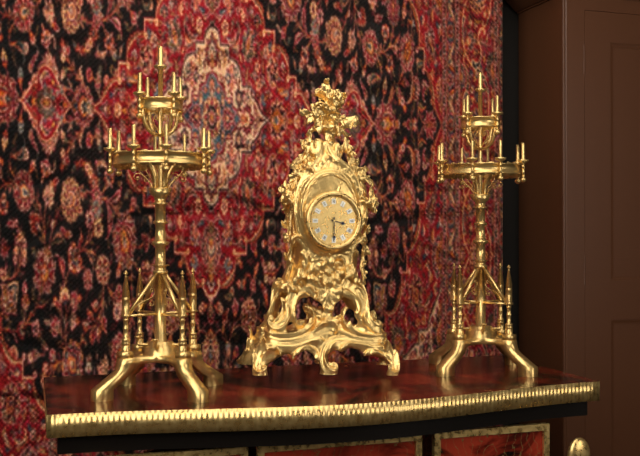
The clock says 3:30
